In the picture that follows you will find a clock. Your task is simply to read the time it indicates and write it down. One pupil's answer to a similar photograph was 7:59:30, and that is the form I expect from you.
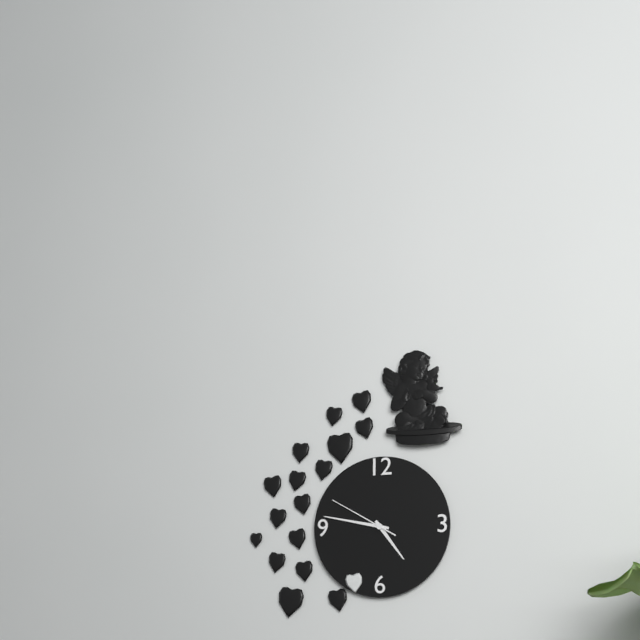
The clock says 4:47:50
